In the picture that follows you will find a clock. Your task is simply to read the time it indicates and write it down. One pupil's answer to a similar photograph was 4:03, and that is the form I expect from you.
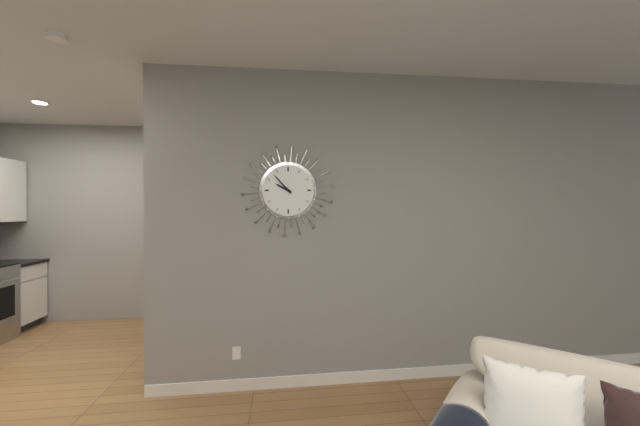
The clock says 9:53
